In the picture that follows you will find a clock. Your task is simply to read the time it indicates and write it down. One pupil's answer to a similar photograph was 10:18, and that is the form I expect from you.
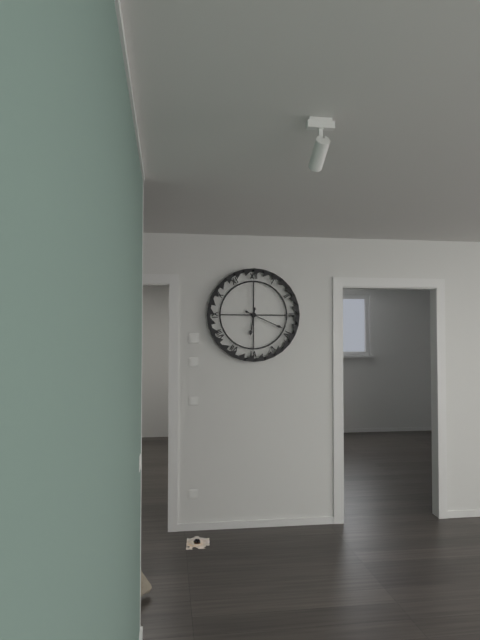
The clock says 6:19
